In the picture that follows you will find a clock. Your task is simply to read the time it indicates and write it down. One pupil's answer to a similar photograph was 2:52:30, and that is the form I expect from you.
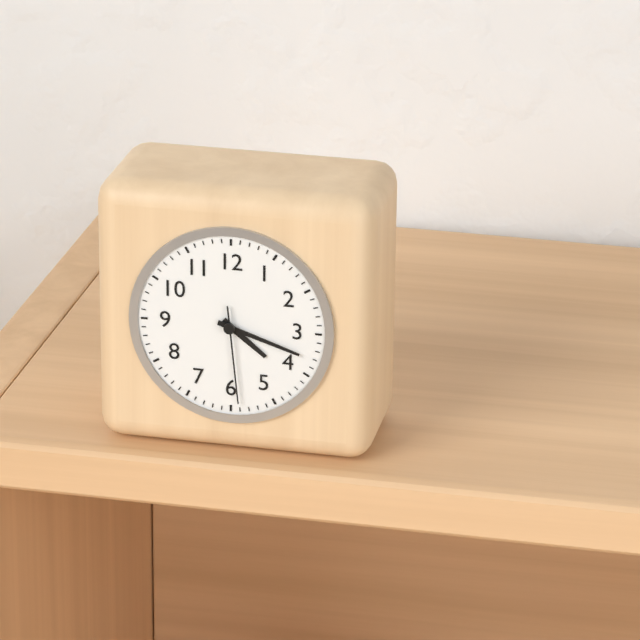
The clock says 4:18:29
